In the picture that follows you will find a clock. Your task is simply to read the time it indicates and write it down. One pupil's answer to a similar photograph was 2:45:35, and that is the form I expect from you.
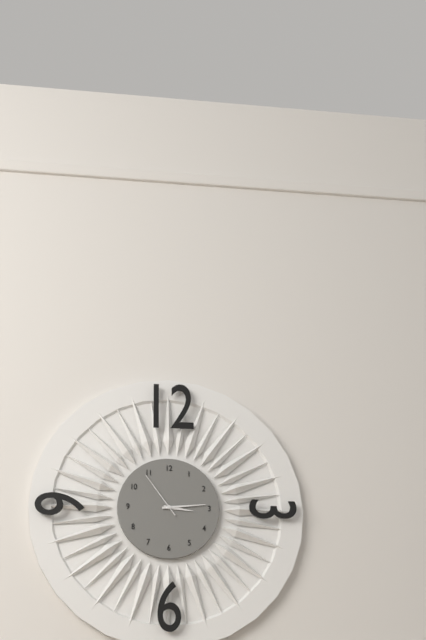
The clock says 3:14:54
